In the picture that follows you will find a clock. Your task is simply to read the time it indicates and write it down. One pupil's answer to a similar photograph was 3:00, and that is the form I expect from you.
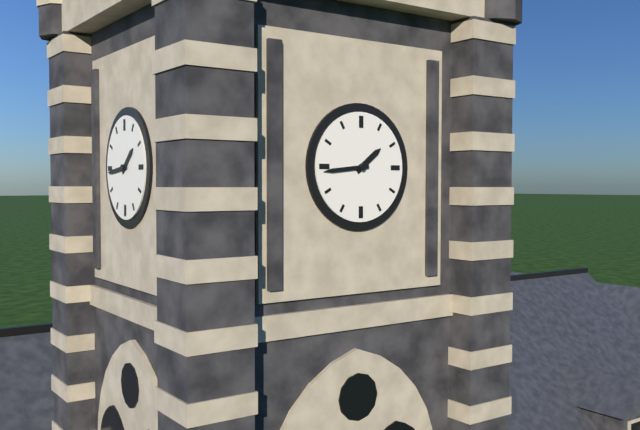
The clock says 1:44
